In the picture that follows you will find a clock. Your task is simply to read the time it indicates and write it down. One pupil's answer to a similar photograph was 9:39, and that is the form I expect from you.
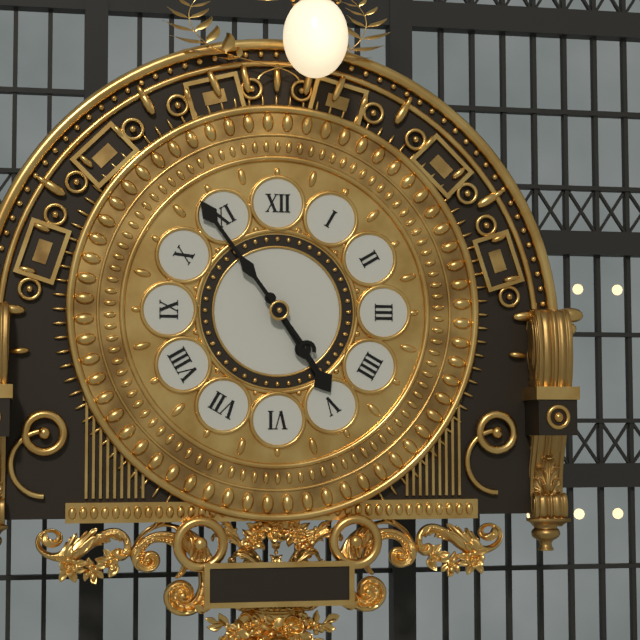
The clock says 4:54
